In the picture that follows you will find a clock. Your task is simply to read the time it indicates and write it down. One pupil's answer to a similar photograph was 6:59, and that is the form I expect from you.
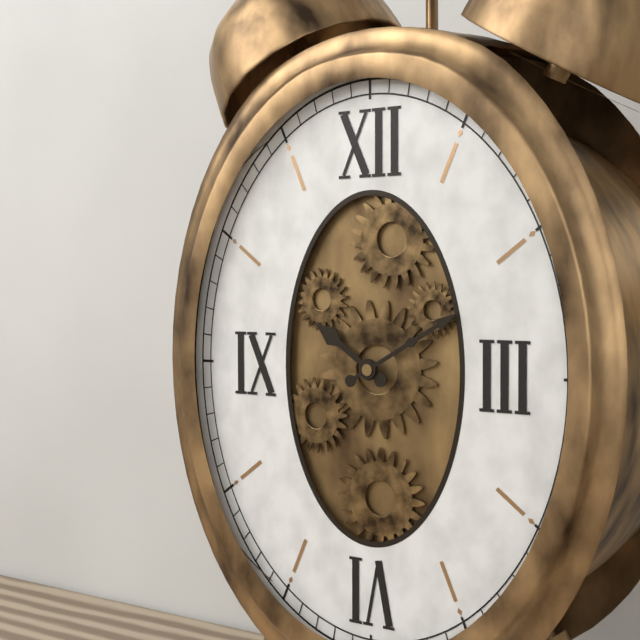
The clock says 10:10
